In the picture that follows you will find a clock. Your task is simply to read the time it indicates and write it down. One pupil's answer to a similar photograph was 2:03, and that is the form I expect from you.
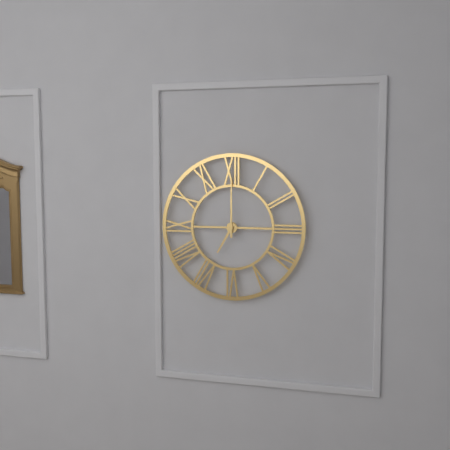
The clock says 7:00
